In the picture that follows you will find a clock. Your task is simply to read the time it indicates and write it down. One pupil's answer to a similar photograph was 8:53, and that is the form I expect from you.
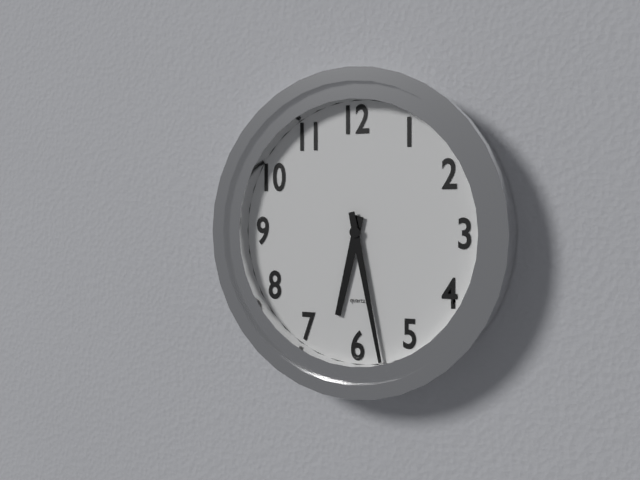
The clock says 6:28
